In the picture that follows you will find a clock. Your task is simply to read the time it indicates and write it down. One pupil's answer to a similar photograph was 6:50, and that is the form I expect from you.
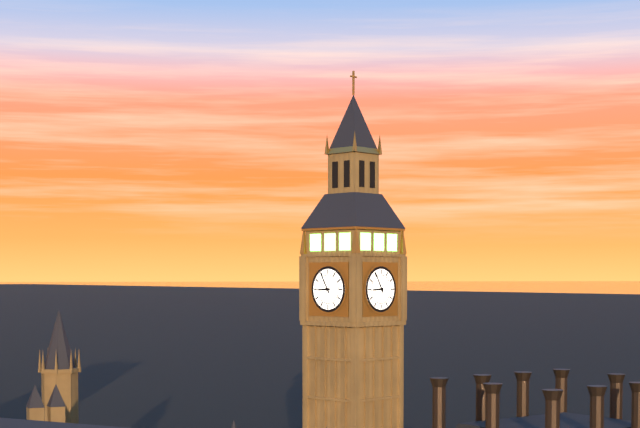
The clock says 8:55
